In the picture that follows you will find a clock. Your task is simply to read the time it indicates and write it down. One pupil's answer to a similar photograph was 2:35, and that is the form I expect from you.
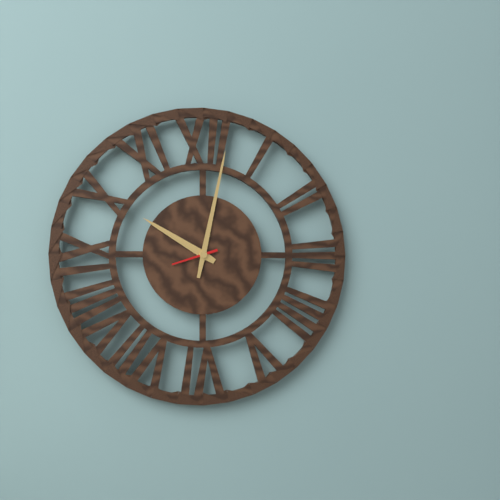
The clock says 10:02
